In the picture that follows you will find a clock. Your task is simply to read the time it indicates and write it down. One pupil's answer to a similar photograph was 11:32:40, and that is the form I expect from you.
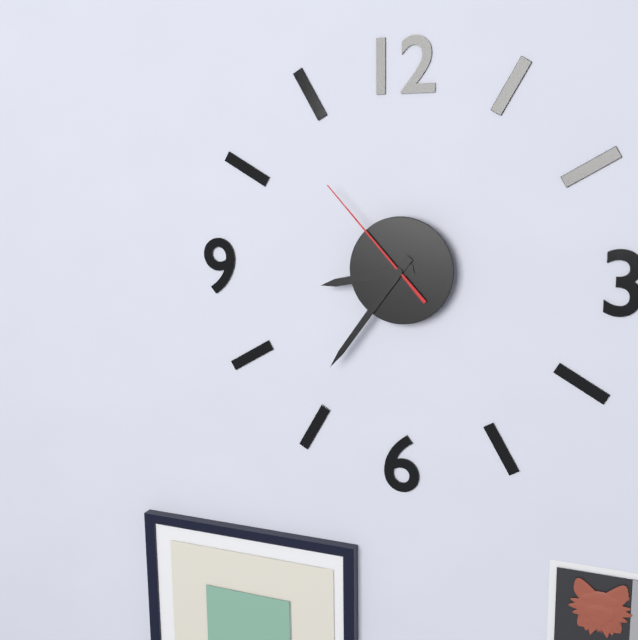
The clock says 8:36:53
